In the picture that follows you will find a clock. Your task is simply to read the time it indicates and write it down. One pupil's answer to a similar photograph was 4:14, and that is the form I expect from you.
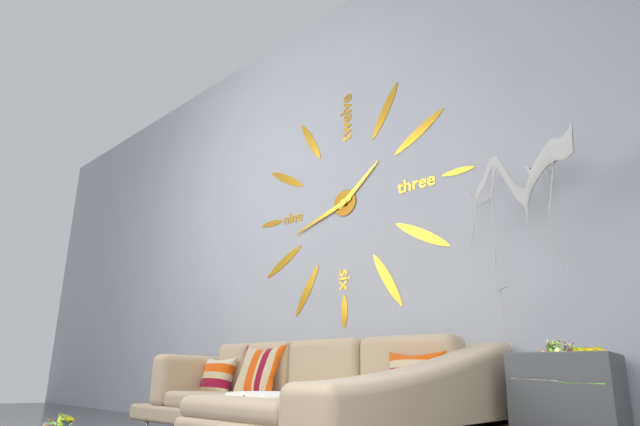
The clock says 1:42
